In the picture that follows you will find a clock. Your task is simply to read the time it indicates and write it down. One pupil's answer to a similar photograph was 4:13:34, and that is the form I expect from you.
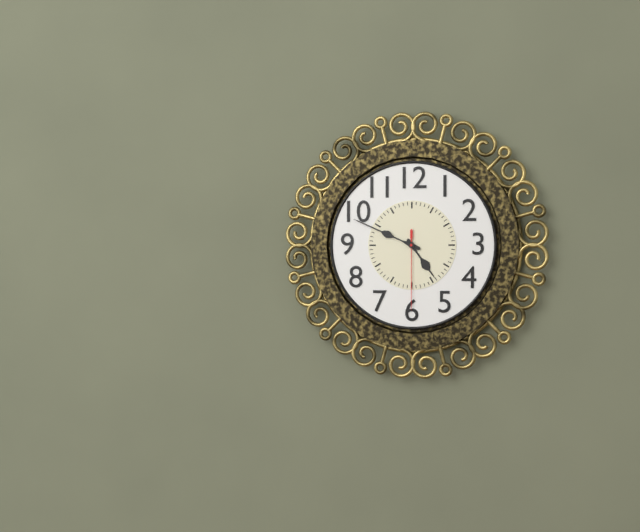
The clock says 4:49:30
